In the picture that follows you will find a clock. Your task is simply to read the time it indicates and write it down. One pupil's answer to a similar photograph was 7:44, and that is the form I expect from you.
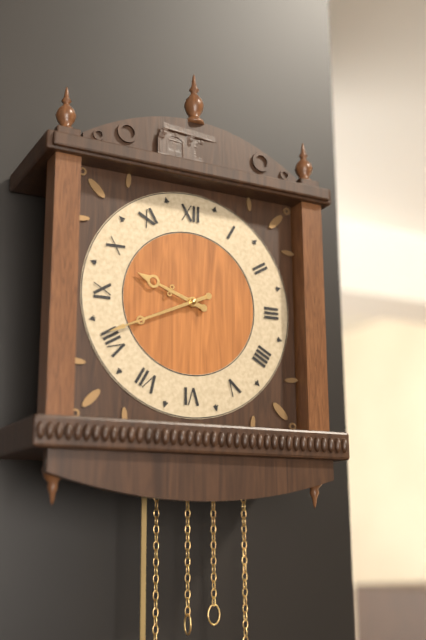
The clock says 9:41
